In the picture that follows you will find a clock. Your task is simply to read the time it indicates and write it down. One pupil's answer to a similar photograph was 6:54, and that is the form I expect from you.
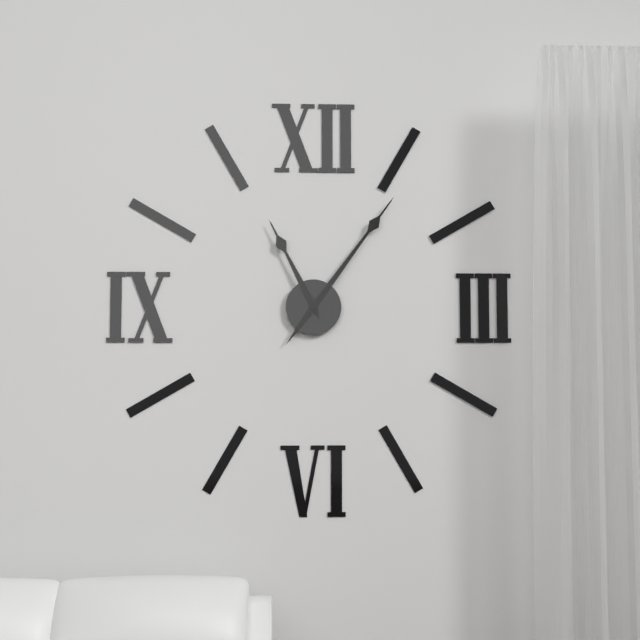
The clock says 11:06
